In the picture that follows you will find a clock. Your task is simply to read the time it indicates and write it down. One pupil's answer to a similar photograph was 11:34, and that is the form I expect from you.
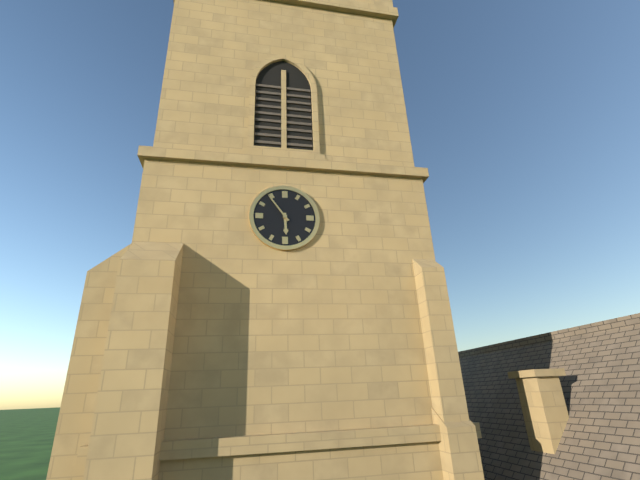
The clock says 5:54
